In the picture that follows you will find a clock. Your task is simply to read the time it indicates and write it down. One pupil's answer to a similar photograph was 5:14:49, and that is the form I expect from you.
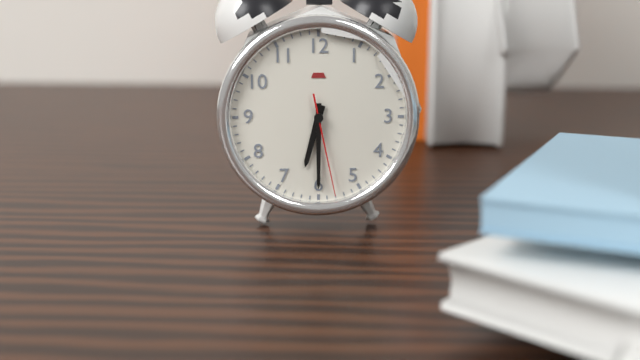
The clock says 6:30:28
